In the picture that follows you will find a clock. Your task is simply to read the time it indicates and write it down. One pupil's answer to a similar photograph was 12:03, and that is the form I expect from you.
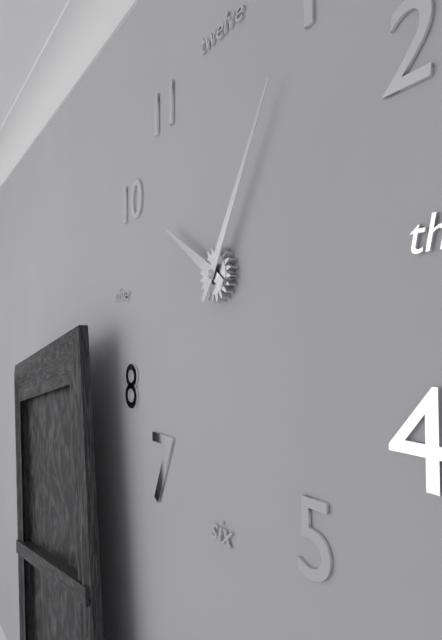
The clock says 10:05
